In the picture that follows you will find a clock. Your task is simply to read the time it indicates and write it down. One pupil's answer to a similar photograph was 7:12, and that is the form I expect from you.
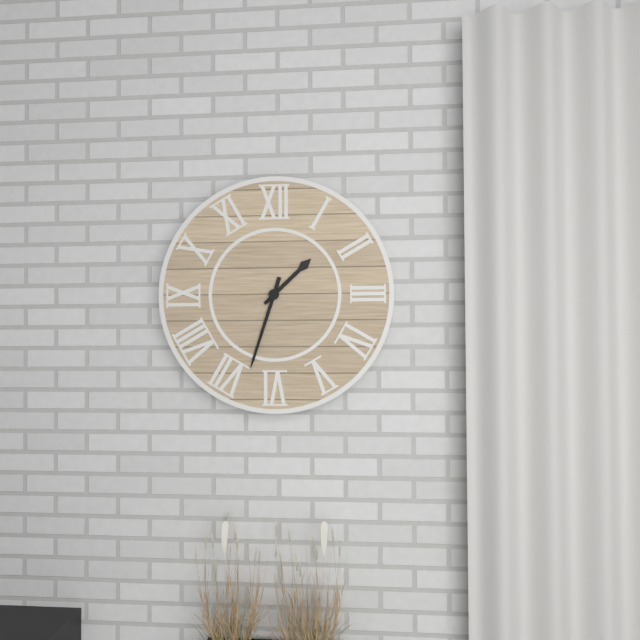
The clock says 1:33
